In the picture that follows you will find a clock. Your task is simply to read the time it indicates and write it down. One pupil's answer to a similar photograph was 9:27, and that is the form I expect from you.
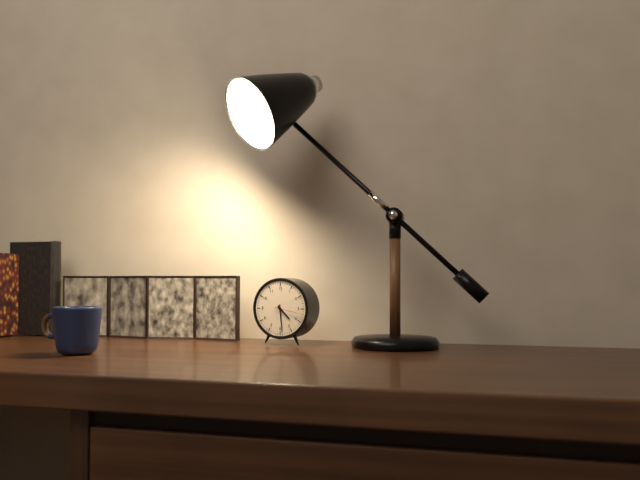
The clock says 4:29
